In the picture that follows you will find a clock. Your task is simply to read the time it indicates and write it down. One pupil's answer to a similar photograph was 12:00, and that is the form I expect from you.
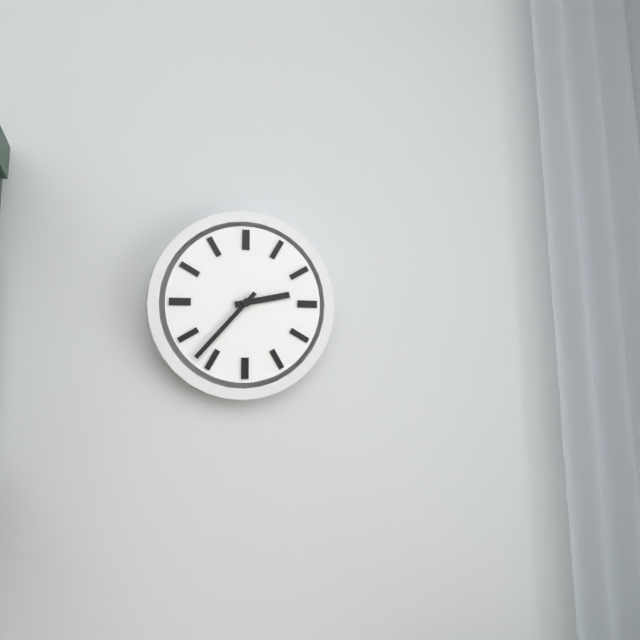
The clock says 2:37
